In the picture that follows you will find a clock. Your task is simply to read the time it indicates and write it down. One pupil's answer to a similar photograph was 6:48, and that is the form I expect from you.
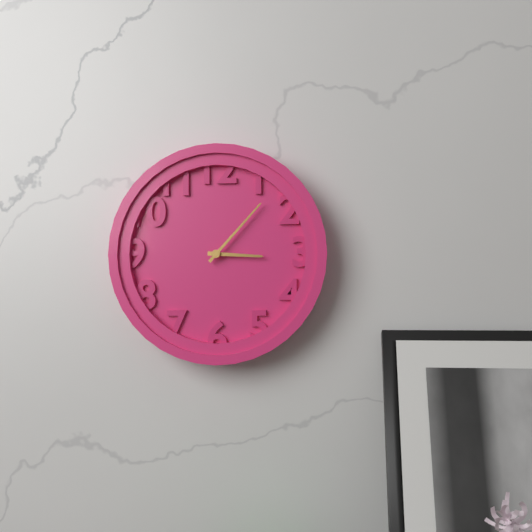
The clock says 3:07
